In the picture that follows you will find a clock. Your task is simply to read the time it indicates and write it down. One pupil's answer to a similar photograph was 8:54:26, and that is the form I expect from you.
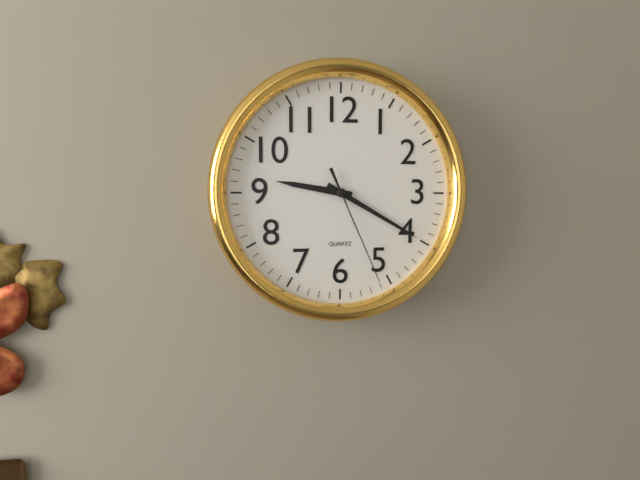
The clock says 9:20:26
